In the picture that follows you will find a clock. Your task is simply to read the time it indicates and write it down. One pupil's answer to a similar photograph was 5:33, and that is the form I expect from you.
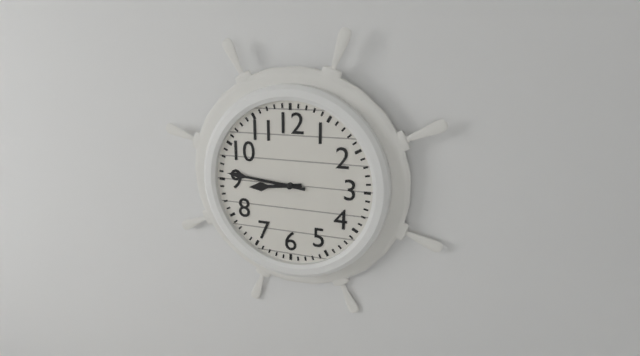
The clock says 8:46
